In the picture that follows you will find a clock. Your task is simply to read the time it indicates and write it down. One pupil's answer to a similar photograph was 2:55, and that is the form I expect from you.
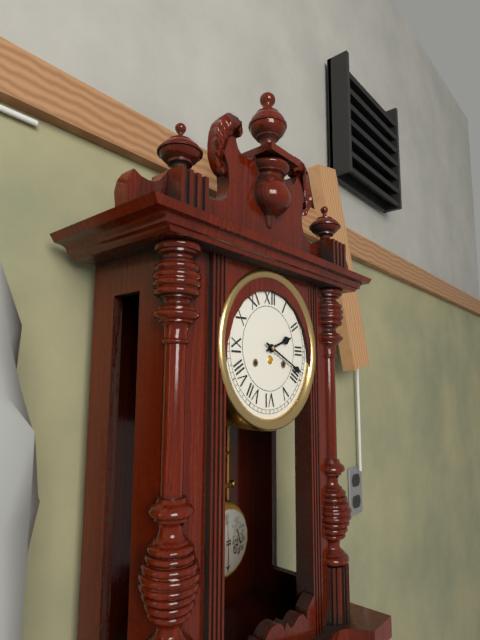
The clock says 2:19
